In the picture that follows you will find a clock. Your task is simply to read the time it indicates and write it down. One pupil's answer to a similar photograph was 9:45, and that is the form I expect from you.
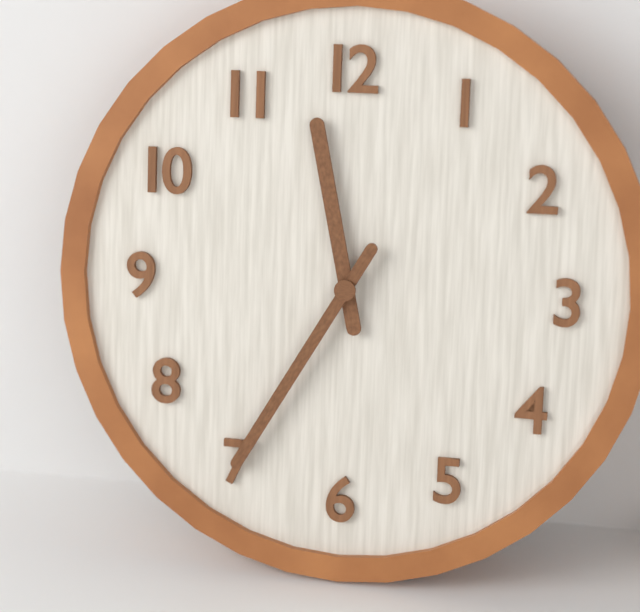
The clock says 11:35
